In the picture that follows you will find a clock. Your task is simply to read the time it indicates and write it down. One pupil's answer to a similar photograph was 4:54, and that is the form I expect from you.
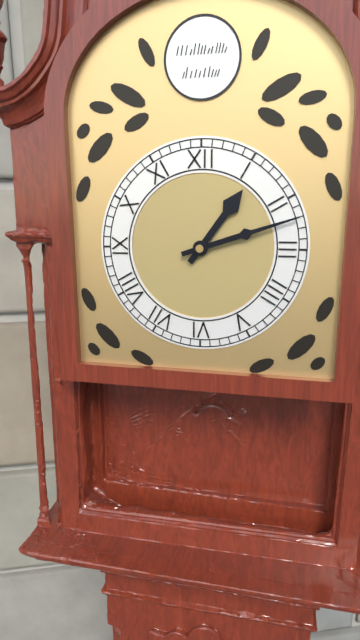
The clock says 1:12
